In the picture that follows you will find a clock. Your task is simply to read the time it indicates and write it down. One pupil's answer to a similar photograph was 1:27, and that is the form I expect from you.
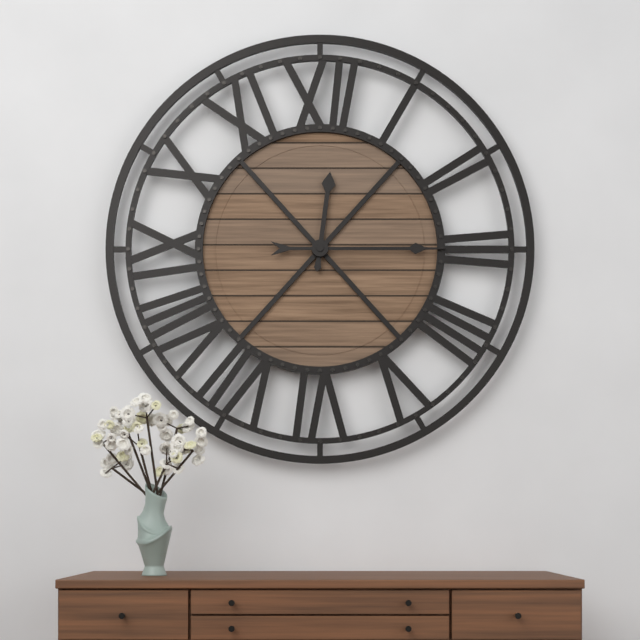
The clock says 12:15
